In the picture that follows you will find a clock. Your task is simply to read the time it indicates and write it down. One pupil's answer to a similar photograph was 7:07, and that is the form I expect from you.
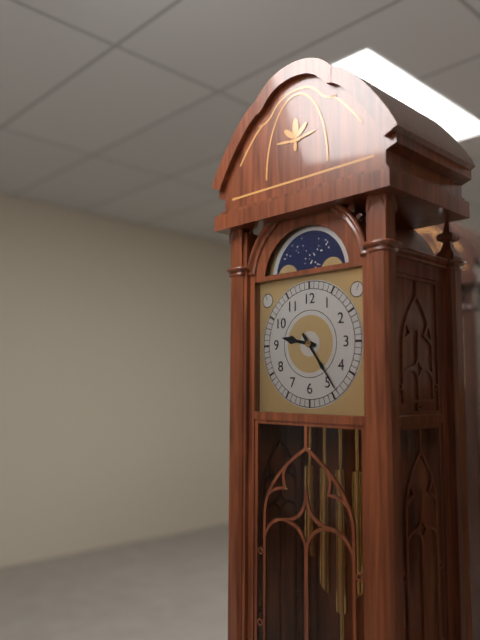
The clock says 9:24
